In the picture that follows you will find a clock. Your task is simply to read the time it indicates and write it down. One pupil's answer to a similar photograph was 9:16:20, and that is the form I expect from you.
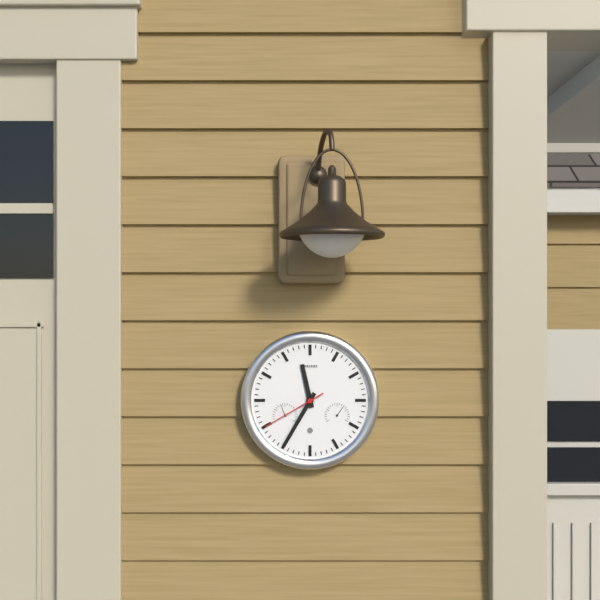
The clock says 11:35:40
